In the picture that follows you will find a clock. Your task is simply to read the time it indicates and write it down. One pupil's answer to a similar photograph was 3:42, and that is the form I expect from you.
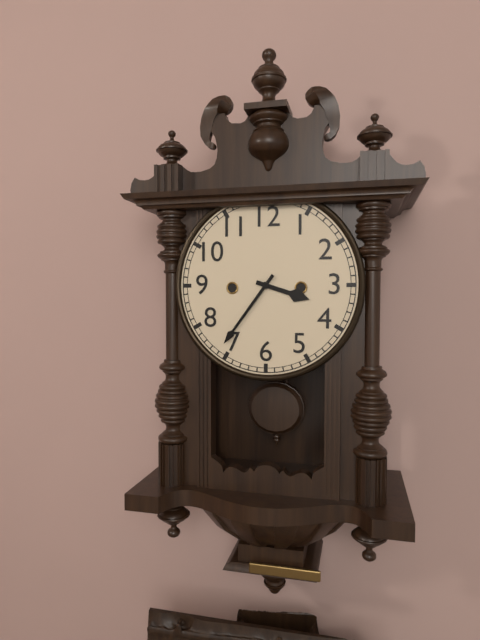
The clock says 3:36
